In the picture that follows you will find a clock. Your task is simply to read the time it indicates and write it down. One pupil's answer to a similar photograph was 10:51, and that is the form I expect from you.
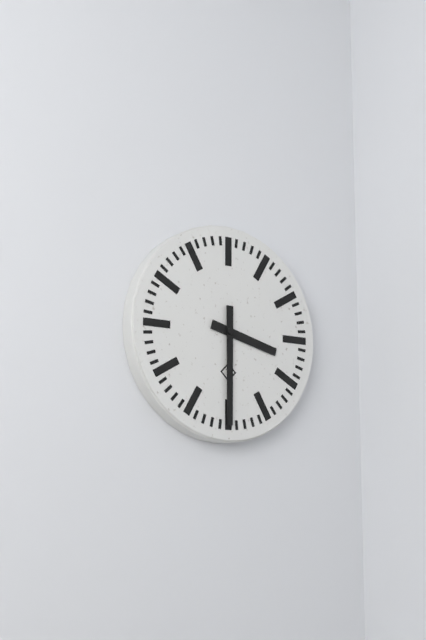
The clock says 3:30
